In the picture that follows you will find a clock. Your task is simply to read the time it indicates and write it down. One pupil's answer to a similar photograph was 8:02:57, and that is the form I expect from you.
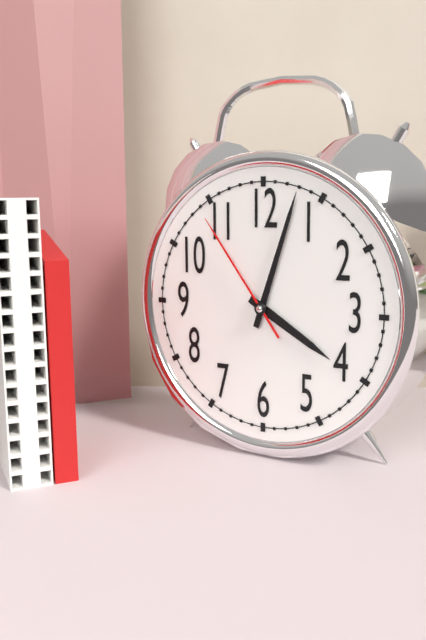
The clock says 4:03:54
